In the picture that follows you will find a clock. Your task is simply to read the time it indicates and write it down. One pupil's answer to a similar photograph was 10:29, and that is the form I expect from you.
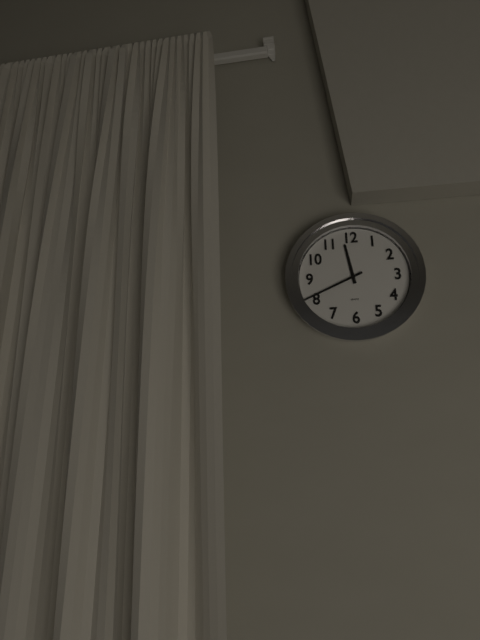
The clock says 11:41
